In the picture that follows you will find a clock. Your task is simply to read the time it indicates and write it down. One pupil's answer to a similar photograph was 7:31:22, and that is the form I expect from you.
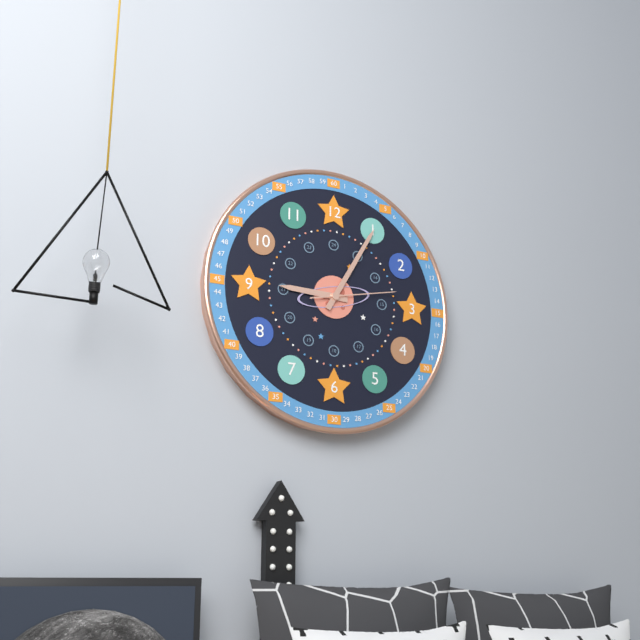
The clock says 9:05:13
